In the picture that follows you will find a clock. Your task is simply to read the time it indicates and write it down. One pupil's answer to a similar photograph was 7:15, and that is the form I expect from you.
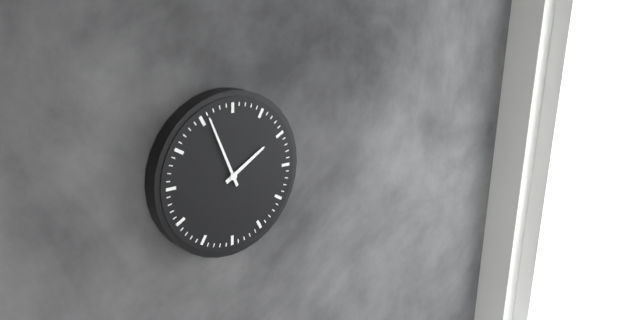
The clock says 1:56
